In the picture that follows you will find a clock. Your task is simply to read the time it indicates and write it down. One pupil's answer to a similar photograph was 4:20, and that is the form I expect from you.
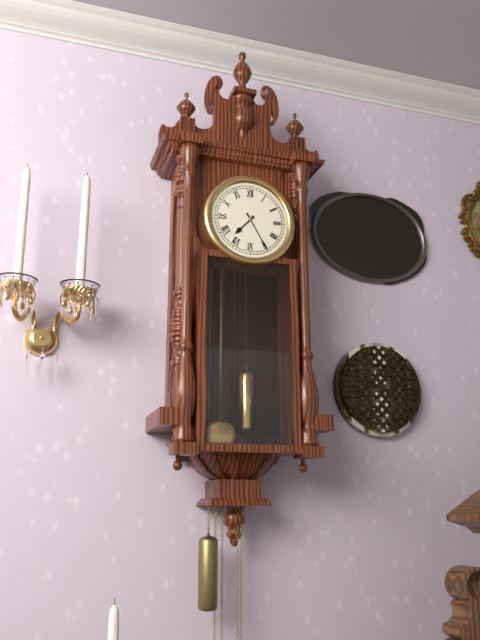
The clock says 7:25
